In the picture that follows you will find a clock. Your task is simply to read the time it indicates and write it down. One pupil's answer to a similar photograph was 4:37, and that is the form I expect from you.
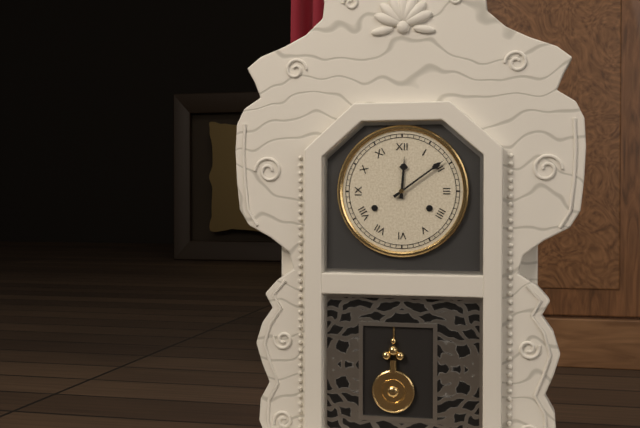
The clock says 12:09
